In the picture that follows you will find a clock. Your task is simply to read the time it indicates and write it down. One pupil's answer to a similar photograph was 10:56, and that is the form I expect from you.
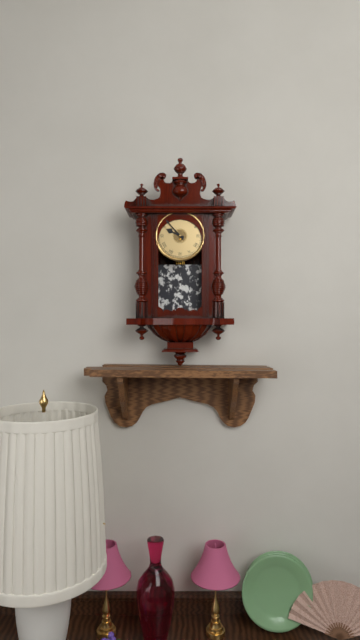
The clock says 9:53
